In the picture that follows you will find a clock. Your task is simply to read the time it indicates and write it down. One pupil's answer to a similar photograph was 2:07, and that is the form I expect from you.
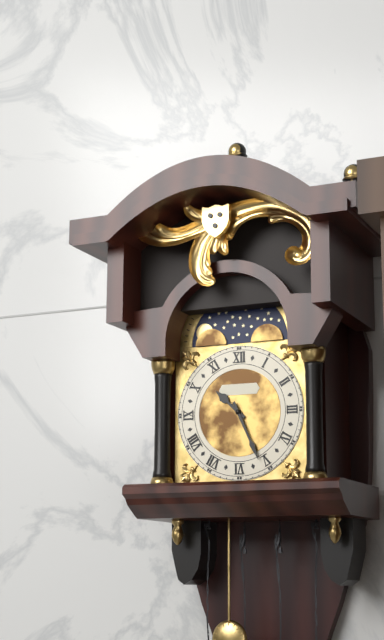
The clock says 10:26
